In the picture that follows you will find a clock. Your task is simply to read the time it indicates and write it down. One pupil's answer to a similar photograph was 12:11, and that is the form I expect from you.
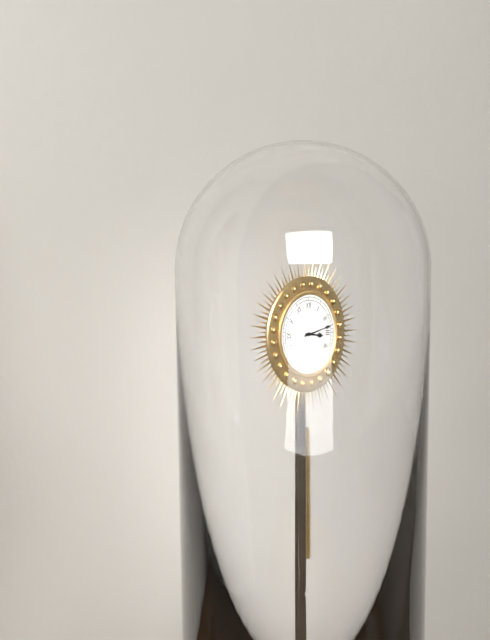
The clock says 3:13
